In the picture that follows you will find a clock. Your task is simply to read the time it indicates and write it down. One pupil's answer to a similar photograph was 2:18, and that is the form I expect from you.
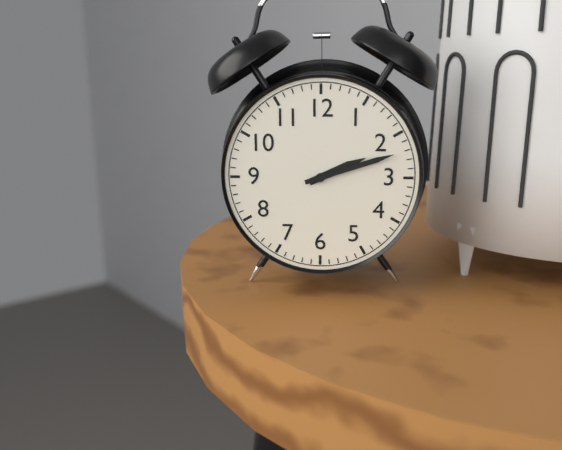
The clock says 2:12
